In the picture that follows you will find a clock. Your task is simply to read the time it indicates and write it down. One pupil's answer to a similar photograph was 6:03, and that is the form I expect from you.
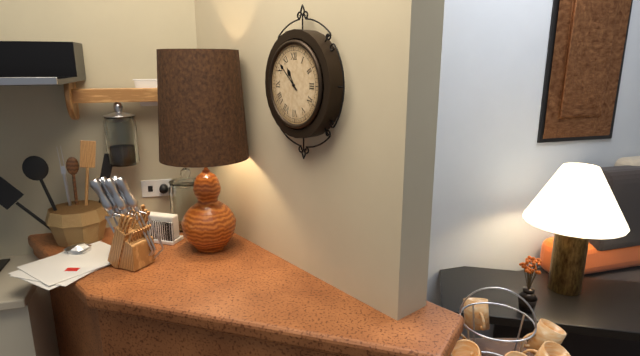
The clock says 10:52
